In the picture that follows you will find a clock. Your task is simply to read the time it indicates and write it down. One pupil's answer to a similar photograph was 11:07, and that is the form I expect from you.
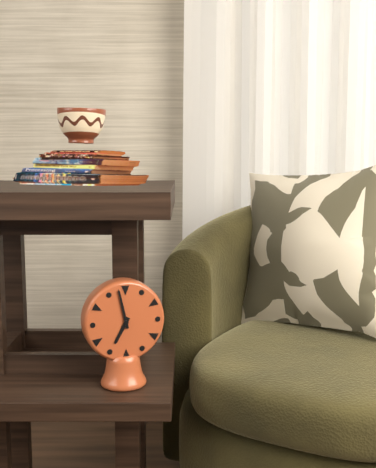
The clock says 6:58
